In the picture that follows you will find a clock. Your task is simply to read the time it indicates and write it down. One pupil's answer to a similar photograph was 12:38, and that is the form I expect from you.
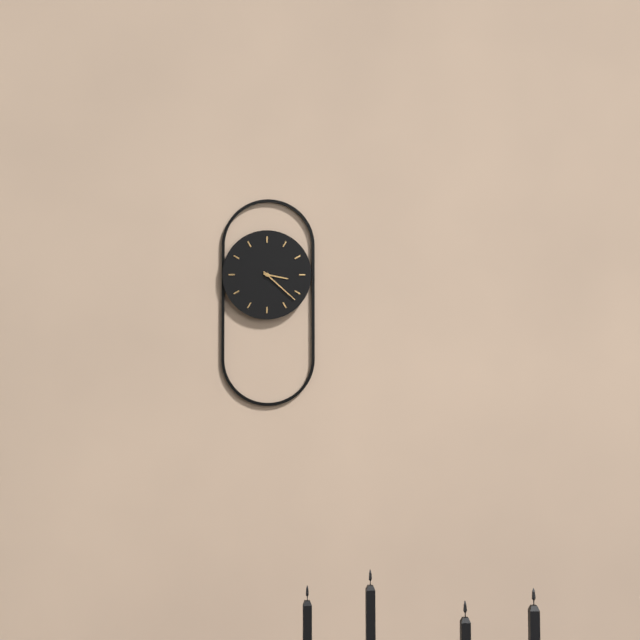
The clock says 3:22
